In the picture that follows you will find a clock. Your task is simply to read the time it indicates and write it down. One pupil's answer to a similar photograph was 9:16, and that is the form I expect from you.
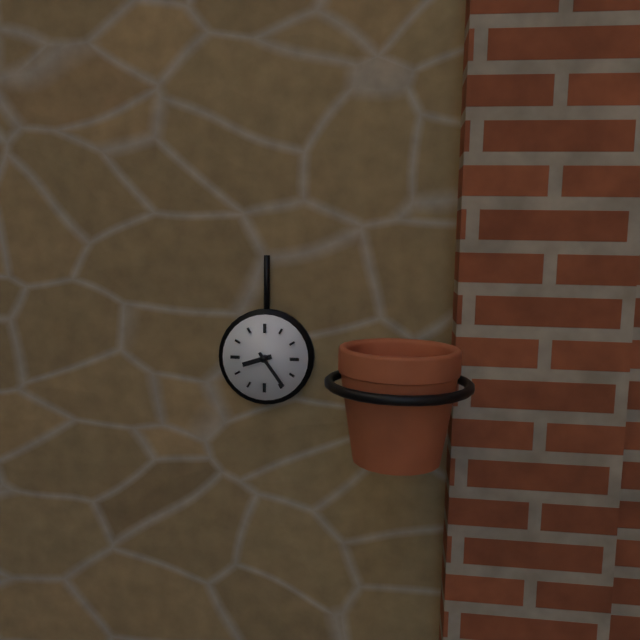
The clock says 8:24
